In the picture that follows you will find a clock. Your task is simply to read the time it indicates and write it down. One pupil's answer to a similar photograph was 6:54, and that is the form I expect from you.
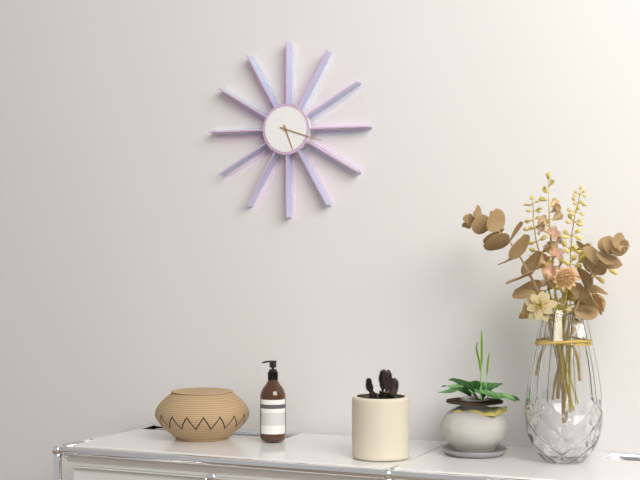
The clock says 5:18
